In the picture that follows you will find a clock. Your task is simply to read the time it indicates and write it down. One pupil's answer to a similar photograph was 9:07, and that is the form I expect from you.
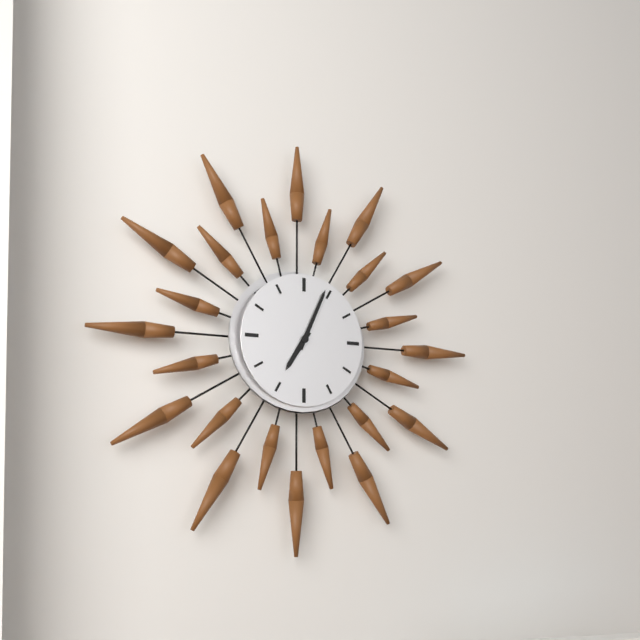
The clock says 7:04
